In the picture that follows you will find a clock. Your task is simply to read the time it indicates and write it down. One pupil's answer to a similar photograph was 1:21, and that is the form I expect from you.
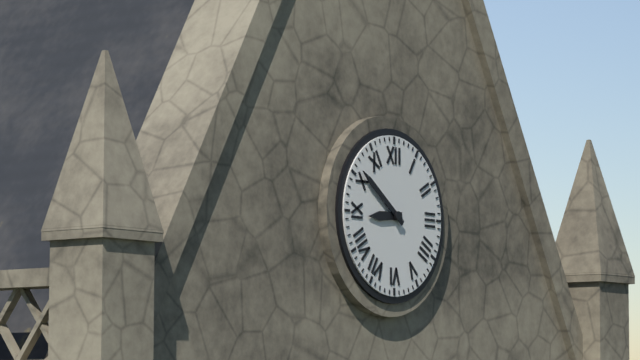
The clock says 8:51
